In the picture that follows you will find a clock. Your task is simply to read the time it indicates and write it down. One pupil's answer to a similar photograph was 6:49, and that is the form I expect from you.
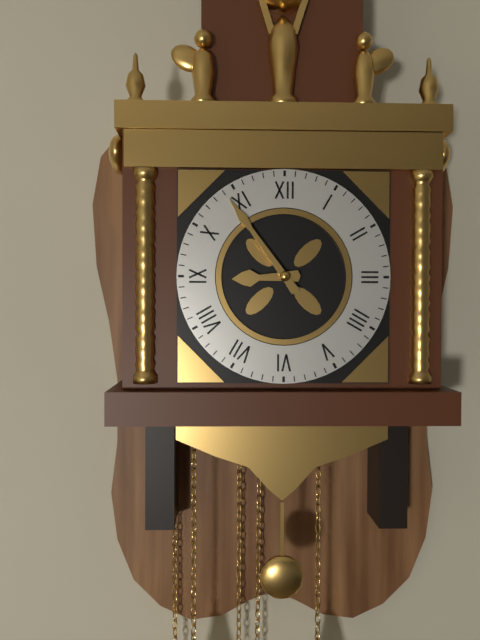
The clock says 8:54
